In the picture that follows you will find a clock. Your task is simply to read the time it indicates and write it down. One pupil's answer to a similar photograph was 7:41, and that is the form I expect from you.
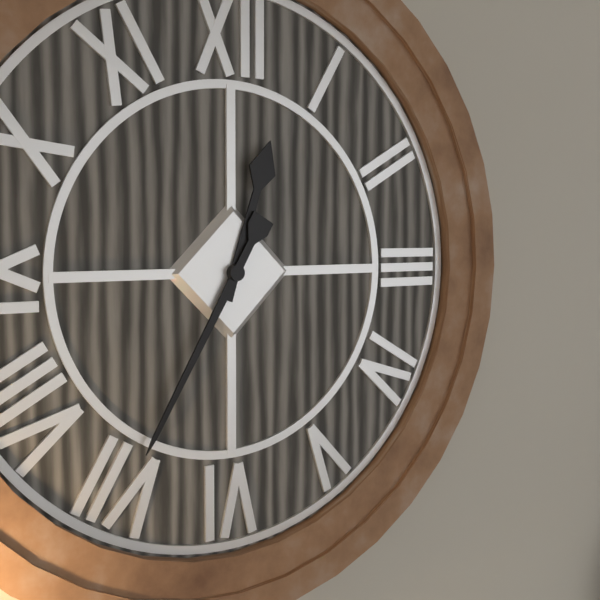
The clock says 12:35
